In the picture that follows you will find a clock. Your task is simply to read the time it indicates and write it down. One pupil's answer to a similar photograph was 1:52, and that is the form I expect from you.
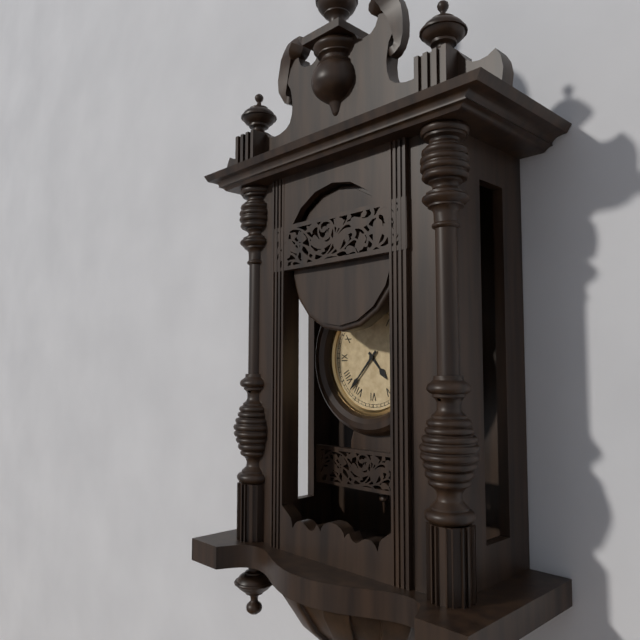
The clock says 4:37
